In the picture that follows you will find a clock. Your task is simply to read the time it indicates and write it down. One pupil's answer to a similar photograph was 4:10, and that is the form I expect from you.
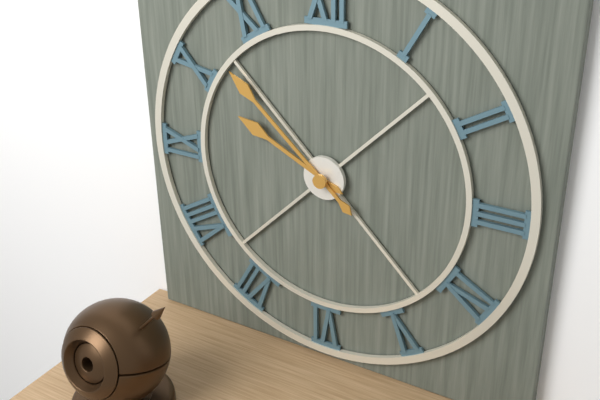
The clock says 9:52
